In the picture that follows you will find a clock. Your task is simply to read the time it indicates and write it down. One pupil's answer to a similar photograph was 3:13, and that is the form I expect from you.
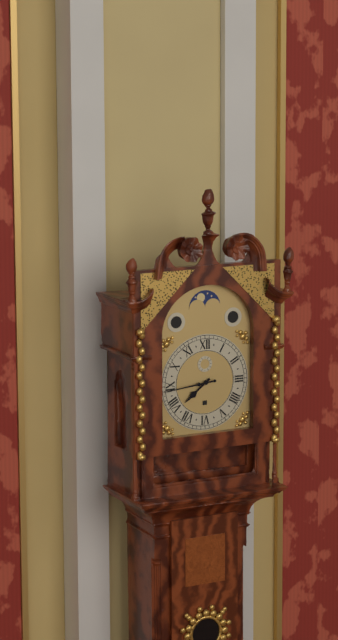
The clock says 7:44
